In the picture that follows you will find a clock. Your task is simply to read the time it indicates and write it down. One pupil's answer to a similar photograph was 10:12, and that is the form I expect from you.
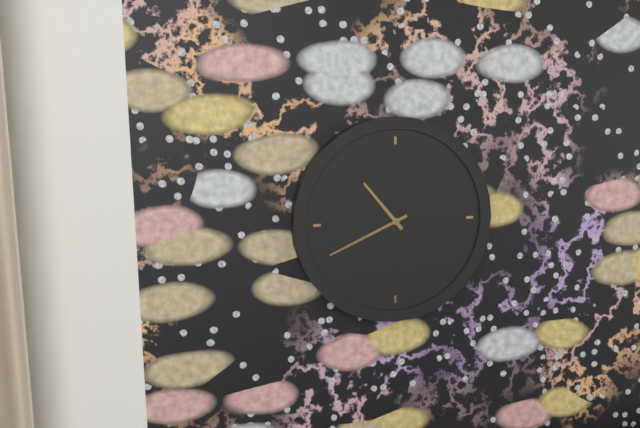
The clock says 10:41
